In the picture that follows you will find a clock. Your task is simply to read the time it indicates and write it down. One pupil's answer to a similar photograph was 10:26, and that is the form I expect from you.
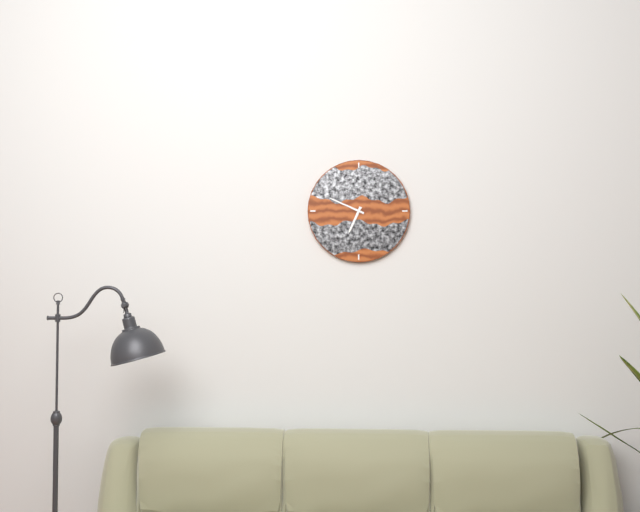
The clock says 6:49
